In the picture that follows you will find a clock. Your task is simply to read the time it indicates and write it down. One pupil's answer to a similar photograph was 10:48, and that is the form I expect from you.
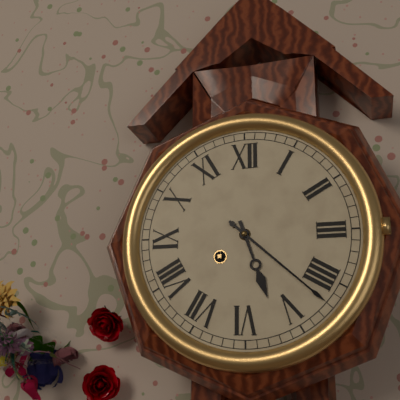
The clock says 5:22
